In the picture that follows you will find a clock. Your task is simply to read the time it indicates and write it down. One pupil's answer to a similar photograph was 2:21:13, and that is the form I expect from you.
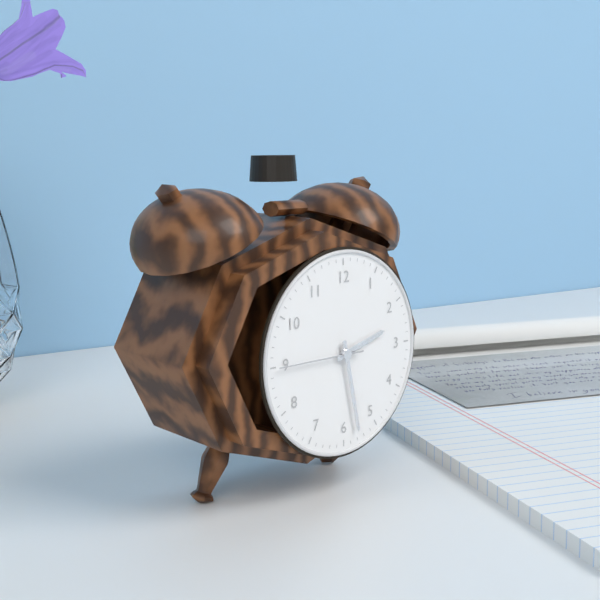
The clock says 2:28:45
